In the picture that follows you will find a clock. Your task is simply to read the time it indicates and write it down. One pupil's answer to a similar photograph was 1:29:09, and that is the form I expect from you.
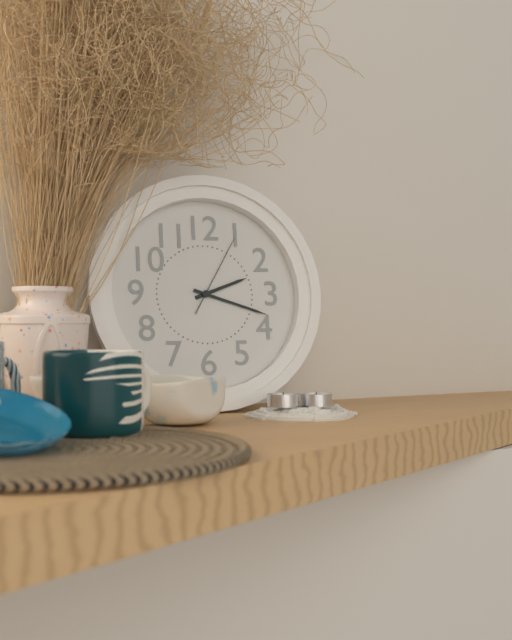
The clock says 2:18:05
